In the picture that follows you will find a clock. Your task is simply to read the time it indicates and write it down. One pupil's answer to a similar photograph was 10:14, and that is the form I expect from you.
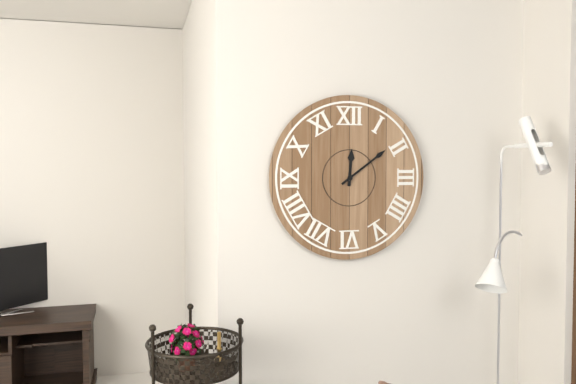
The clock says 12:09
